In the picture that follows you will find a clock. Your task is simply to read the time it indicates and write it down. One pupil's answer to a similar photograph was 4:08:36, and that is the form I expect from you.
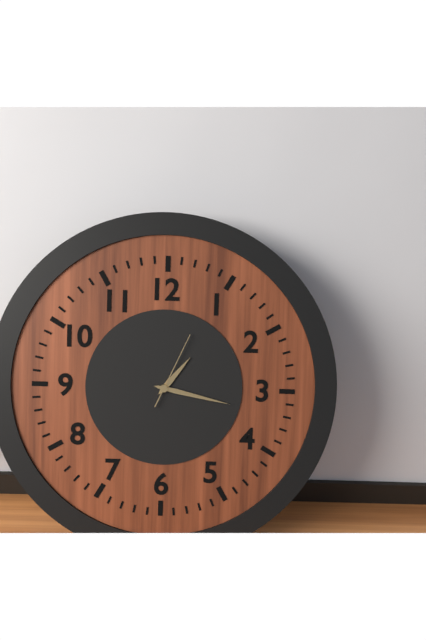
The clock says 1:17:04
